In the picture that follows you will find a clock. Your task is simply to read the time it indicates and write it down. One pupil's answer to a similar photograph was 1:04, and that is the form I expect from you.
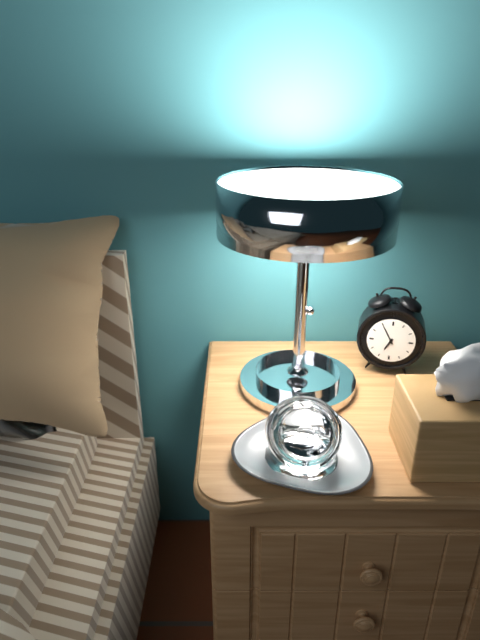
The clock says 6:55
